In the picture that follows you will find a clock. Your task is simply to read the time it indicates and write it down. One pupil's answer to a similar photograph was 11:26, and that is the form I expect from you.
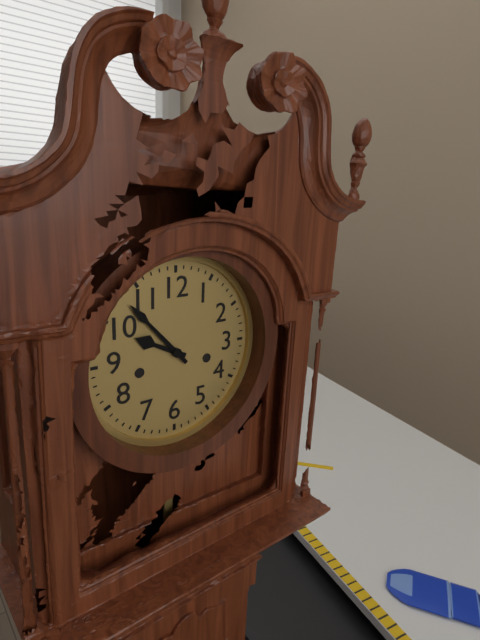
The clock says 9:53
